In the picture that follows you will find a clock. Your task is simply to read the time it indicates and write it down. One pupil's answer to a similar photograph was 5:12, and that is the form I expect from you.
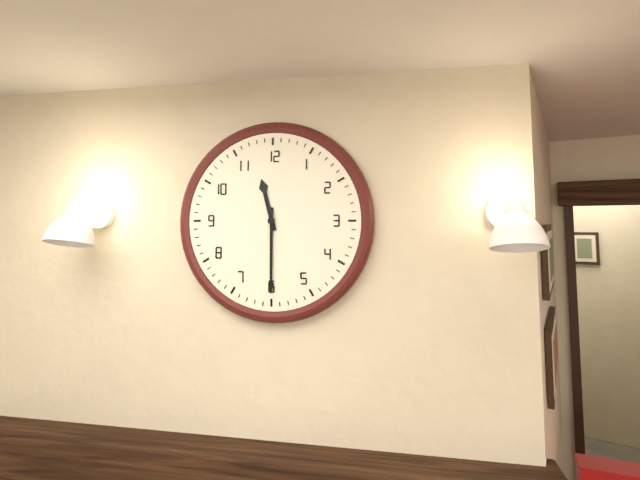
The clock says 11:30
